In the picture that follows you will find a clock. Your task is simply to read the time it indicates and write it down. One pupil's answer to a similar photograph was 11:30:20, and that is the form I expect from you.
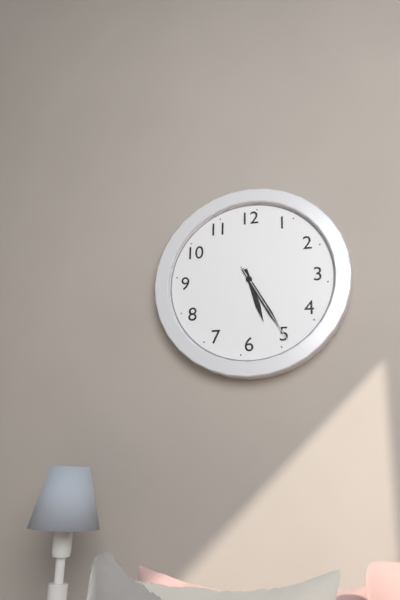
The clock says 5:25:25
